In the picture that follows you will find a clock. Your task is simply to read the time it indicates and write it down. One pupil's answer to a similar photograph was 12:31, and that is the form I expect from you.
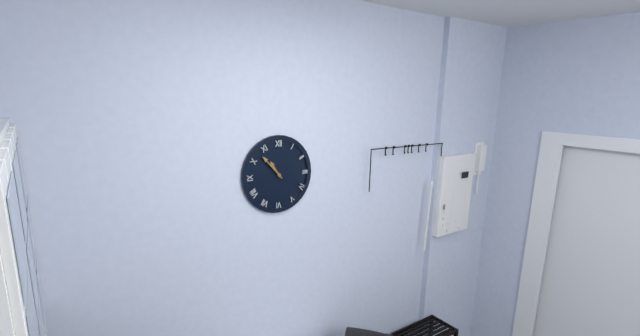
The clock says 10:53
